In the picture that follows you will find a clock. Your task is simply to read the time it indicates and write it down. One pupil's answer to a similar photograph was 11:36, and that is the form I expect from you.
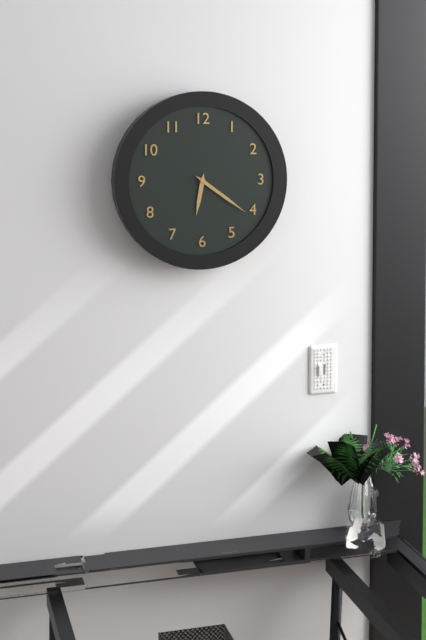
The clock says 6:21
